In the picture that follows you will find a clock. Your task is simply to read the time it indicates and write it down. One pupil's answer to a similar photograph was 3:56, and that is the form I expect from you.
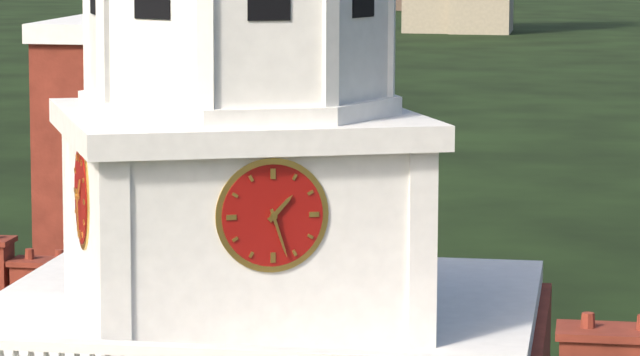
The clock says 1:27
